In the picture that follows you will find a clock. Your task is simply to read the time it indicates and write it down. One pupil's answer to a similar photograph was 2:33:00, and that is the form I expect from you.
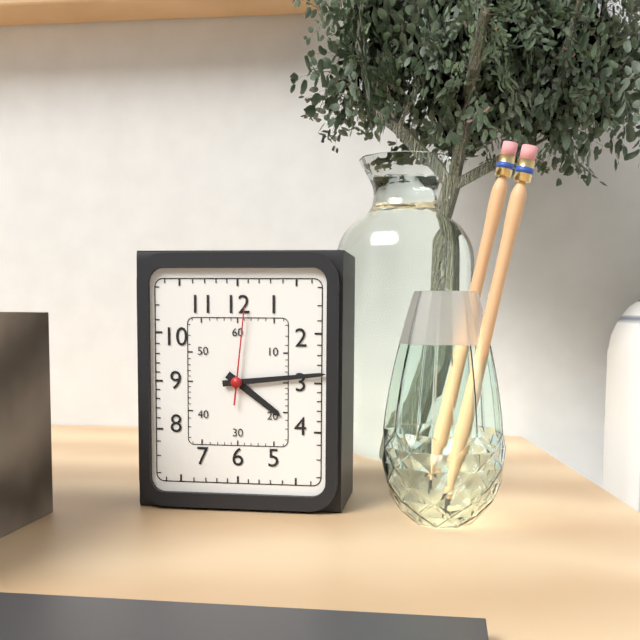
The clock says 4:14:01
